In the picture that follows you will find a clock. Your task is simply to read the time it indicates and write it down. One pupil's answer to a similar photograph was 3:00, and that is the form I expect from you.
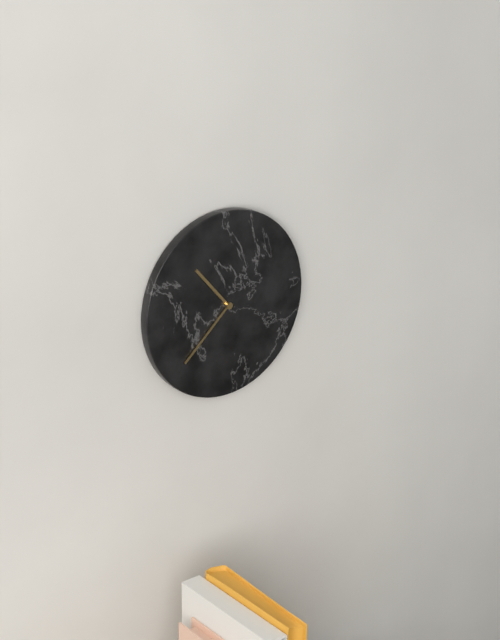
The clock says 10:38
